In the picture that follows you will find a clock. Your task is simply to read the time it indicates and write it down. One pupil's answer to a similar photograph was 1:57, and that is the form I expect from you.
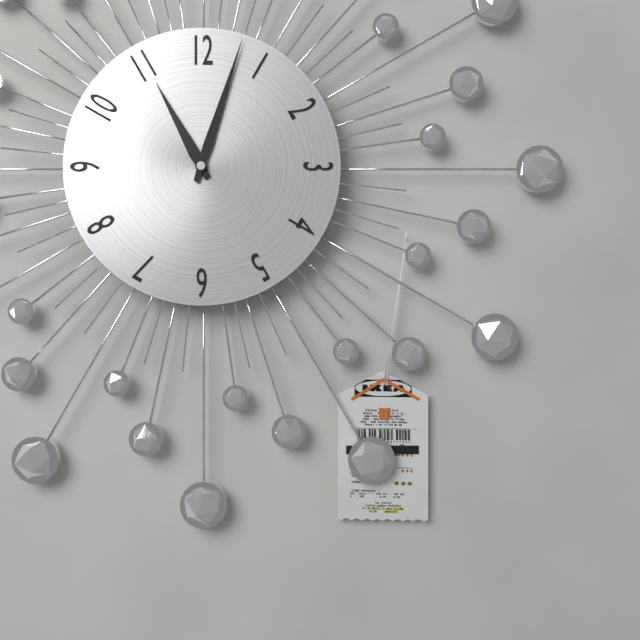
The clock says 11:03
